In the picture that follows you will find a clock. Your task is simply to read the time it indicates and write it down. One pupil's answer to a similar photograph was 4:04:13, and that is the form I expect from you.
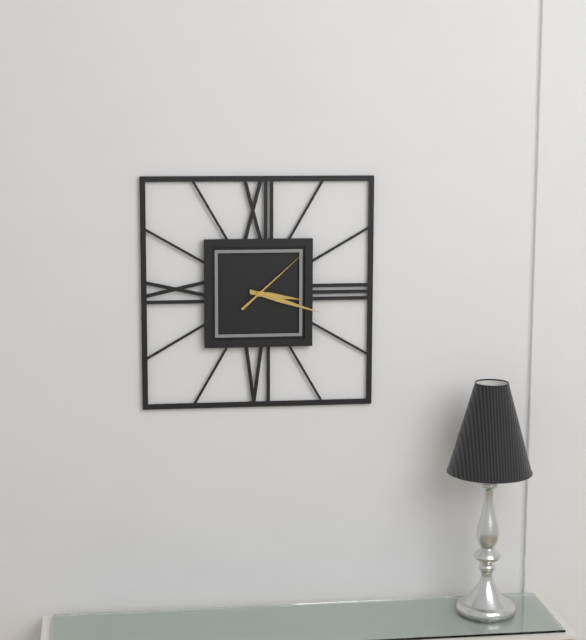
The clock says 3:18:08
